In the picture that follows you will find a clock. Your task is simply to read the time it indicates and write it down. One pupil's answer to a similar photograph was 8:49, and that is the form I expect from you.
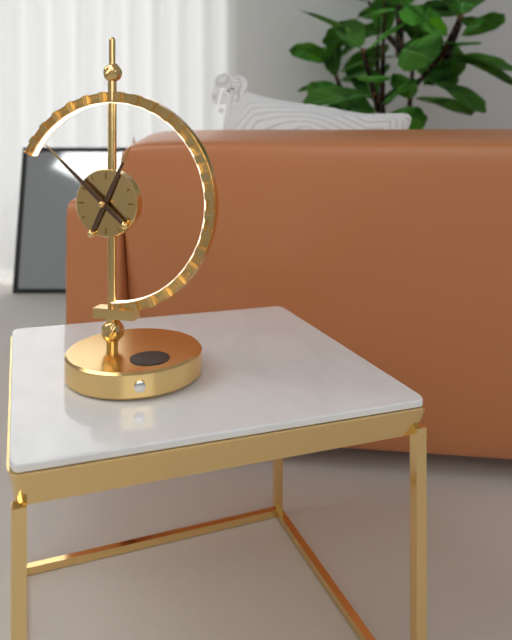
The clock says 12:52
